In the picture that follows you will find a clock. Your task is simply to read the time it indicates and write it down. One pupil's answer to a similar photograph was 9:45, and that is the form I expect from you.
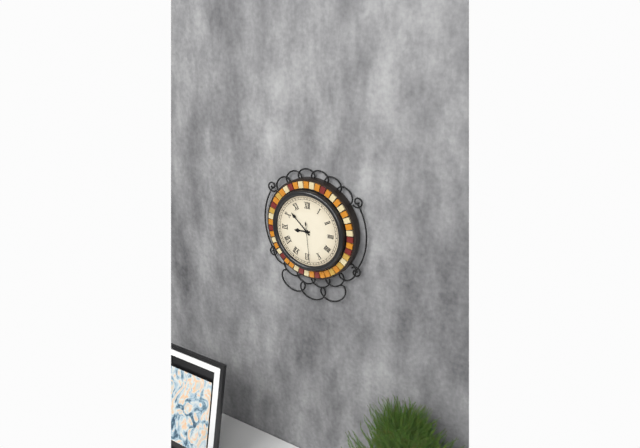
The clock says 8:52
